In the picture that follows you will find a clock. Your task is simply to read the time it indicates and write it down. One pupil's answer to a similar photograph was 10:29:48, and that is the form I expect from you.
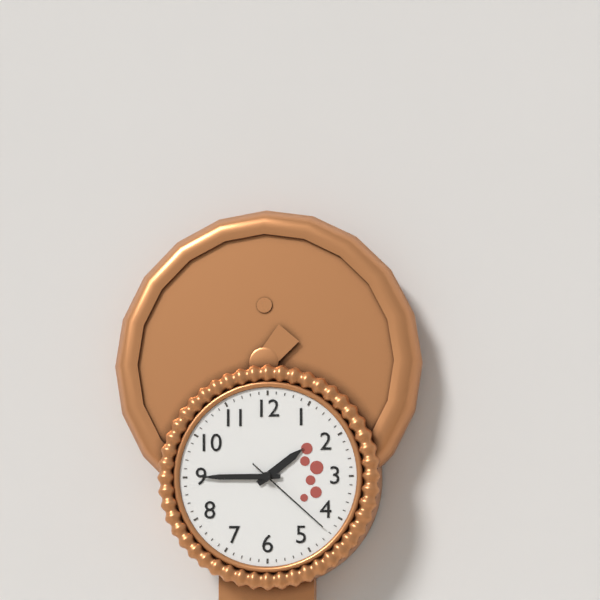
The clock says 1:45:22
